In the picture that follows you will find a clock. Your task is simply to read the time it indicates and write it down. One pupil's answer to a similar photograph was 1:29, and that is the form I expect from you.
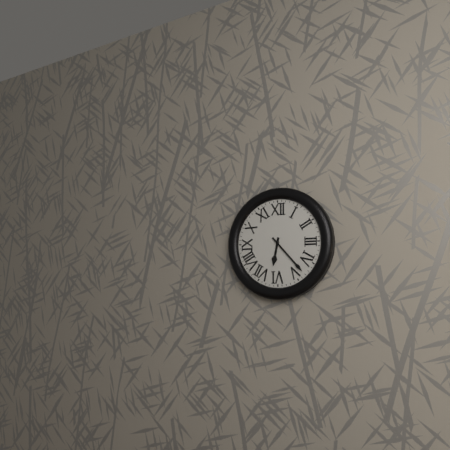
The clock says 6:23
